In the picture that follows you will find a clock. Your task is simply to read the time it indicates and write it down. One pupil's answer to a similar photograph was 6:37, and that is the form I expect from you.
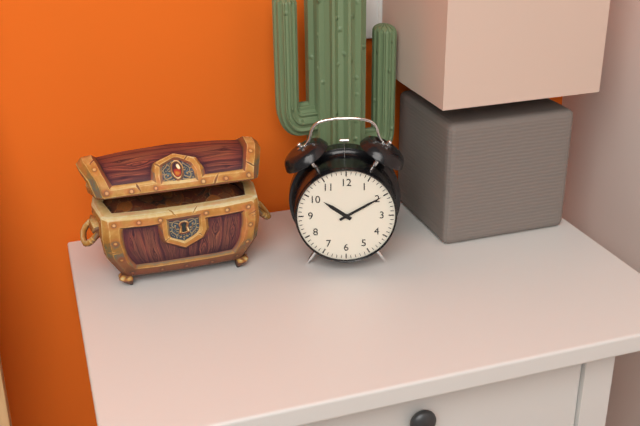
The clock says 10:10
